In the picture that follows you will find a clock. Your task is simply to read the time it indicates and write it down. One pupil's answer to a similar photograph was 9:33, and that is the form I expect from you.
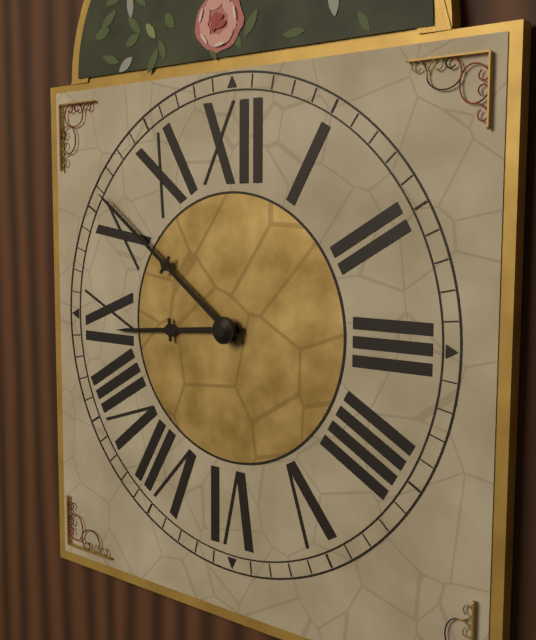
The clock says 8:51
